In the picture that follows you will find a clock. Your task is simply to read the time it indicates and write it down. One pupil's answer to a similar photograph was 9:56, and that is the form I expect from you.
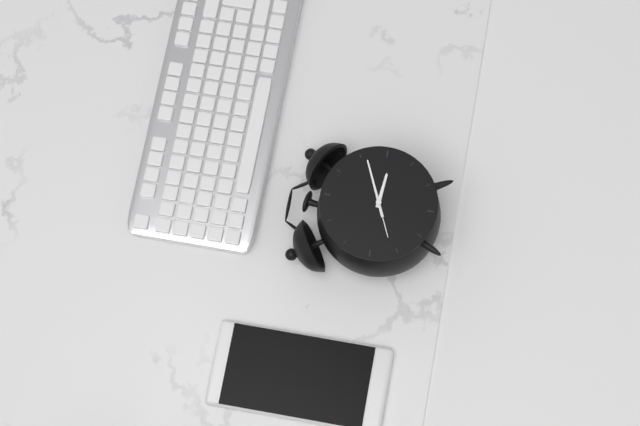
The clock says 3:11
